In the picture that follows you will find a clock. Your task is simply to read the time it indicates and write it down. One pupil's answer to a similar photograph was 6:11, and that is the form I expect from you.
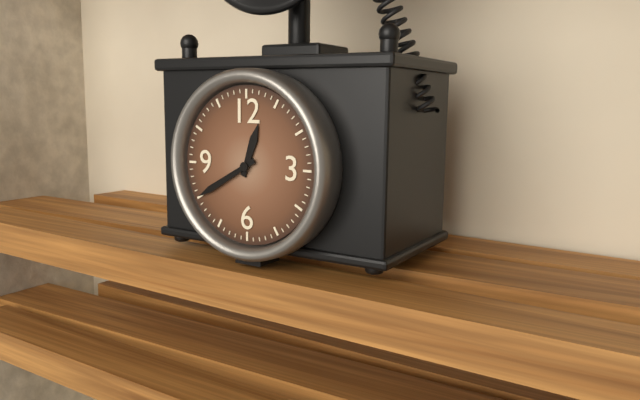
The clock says 12:40
